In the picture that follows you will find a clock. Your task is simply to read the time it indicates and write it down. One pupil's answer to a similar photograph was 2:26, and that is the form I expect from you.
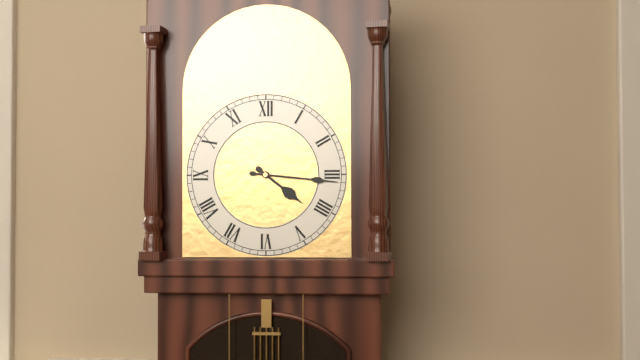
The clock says 4:16
